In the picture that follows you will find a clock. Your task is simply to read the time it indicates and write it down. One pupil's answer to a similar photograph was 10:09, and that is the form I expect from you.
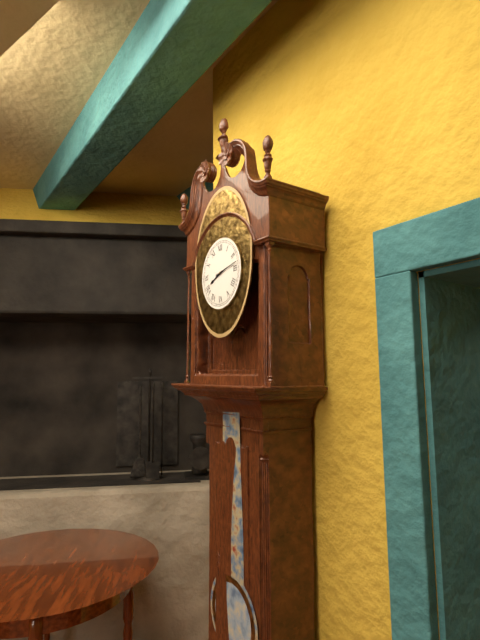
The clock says 8:13
